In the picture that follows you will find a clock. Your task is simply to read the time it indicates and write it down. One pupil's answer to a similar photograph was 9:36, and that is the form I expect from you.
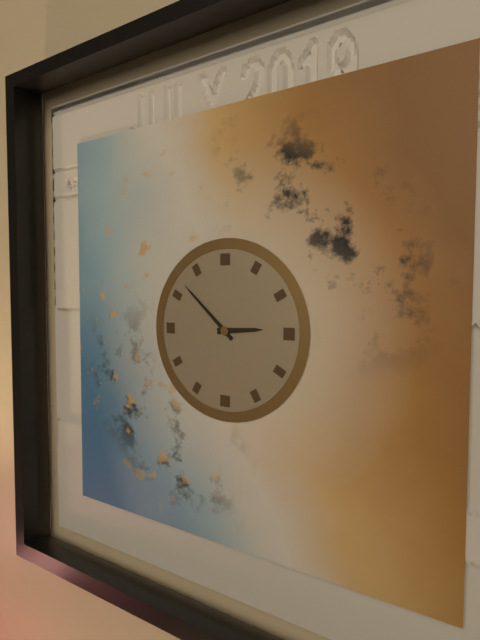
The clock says 2:52
